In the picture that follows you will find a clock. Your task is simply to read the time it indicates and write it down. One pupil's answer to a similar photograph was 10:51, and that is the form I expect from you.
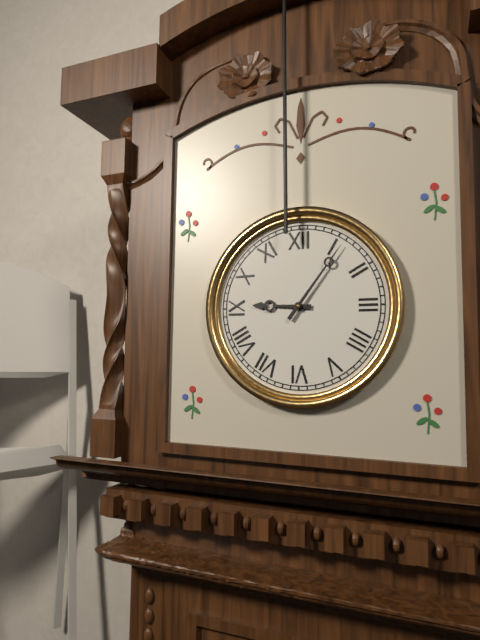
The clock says 9:06
